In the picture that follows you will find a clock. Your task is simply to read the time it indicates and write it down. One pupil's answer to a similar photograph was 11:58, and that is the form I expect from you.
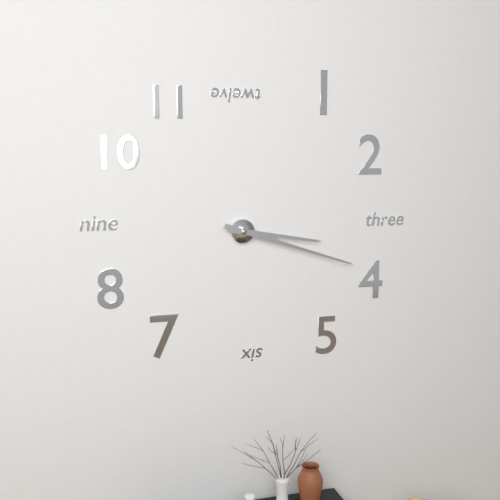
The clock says 3:18
